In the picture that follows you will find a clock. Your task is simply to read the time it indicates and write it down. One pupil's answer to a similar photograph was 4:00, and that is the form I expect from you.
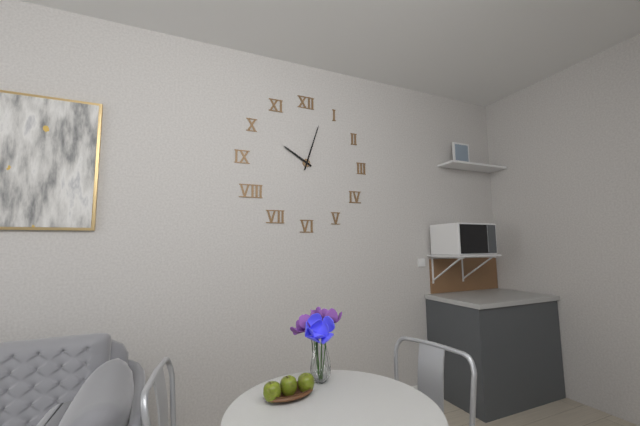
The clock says 10:03
